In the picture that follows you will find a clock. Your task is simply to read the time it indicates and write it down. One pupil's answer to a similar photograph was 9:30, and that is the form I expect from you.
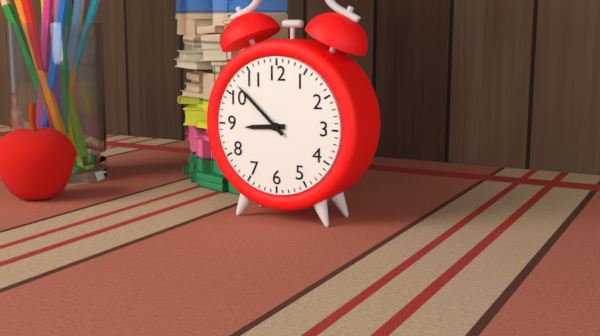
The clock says 8:52
